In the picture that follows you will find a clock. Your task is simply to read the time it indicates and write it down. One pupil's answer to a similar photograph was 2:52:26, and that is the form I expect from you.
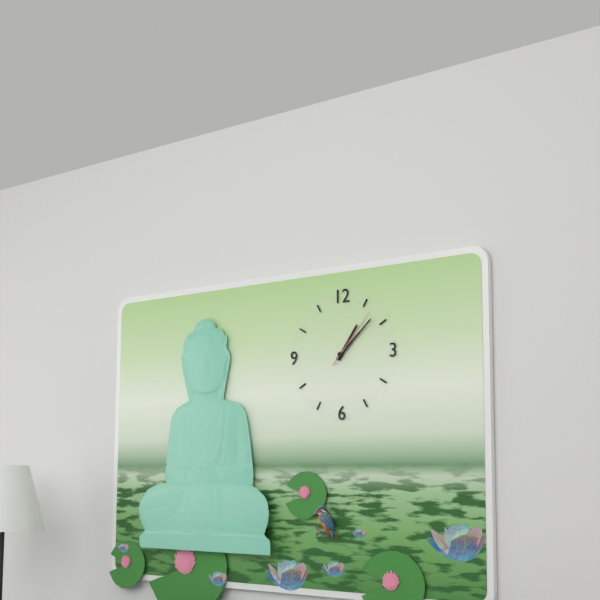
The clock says 1:08:07
